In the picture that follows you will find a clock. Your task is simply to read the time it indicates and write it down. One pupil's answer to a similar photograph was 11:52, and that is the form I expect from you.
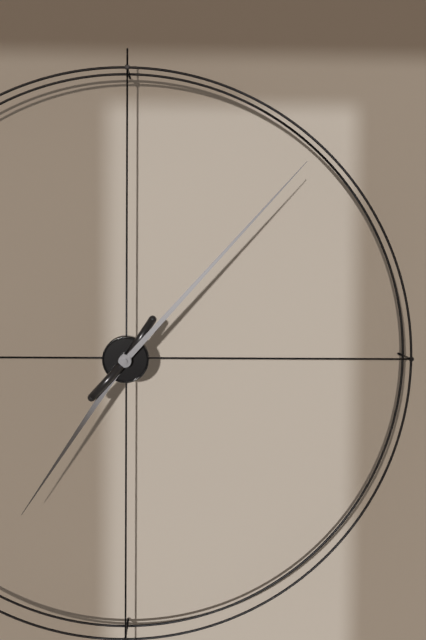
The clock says 7:07
